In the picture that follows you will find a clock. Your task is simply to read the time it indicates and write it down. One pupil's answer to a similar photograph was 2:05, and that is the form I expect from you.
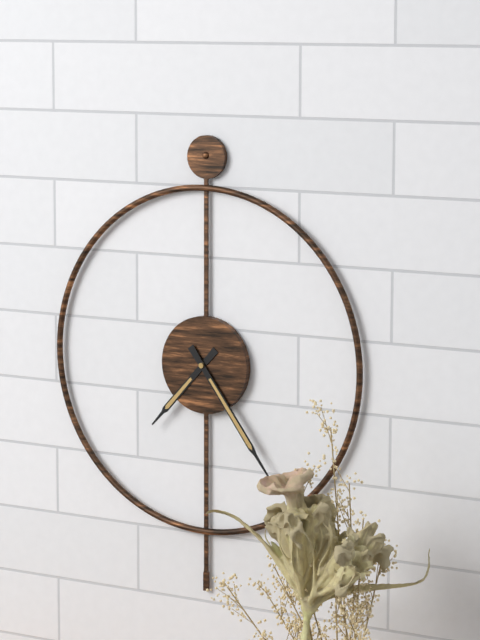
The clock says 7:24
